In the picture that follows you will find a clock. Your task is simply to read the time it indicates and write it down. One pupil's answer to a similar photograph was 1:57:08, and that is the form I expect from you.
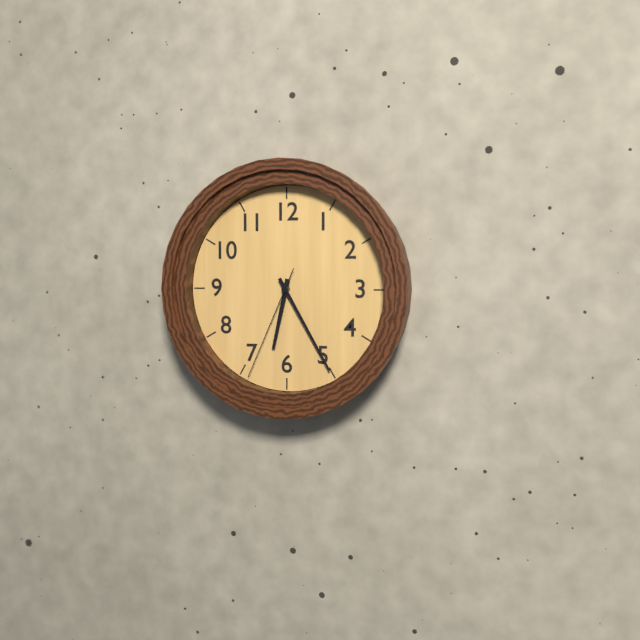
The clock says 6:25:34
